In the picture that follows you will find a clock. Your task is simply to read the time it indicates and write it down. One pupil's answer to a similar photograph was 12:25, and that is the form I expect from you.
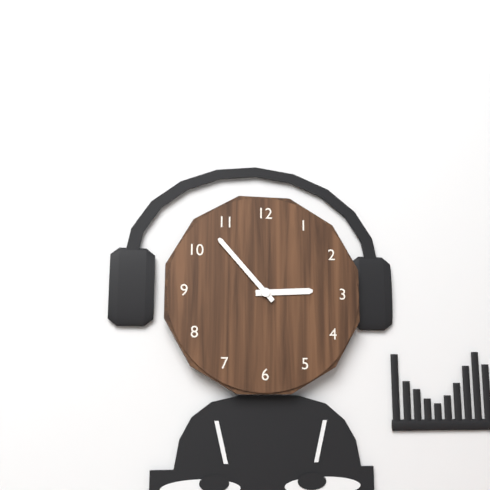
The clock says 2:53
